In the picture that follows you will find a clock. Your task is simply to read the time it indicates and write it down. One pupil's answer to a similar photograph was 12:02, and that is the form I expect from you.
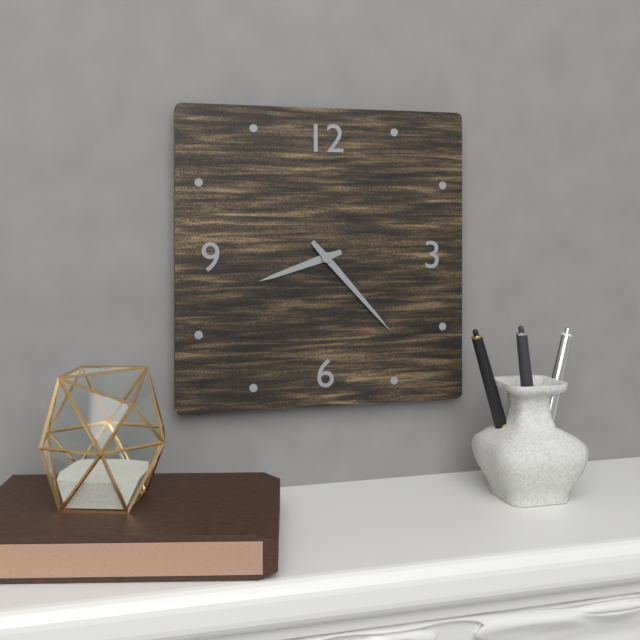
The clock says 8:23
